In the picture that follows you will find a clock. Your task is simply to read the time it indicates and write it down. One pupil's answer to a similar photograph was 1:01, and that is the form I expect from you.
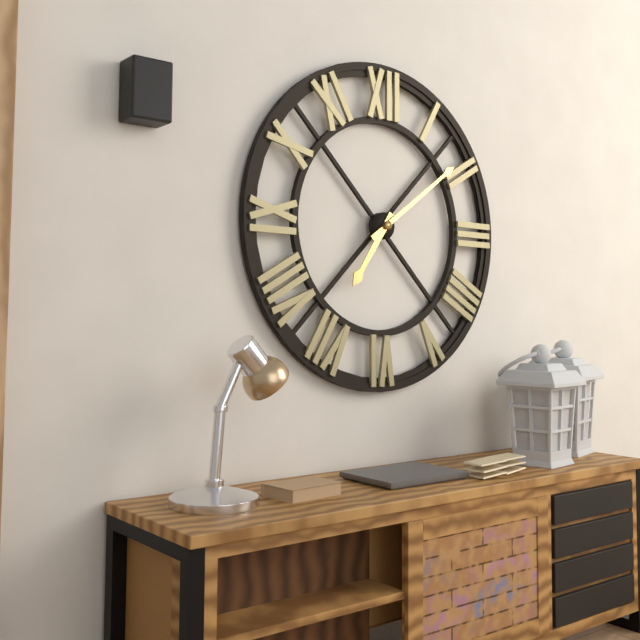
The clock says 7:09
